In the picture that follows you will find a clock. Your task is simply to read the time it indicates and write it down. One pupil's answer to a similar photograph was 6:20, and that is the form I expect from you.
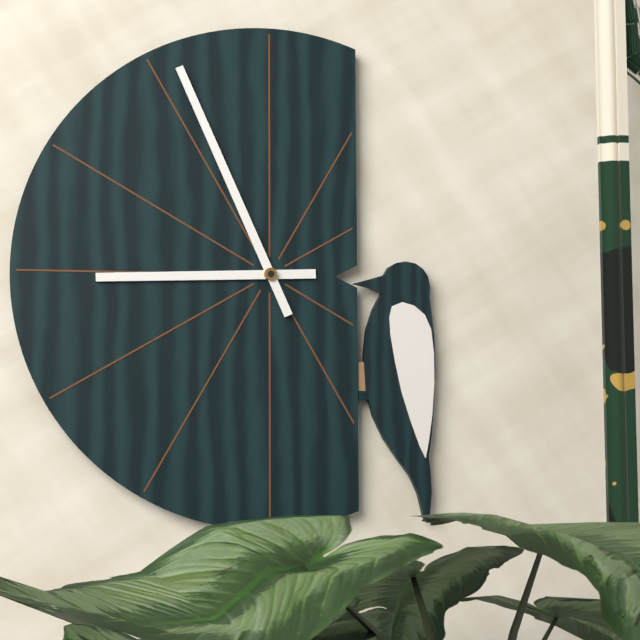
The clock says 8:56
